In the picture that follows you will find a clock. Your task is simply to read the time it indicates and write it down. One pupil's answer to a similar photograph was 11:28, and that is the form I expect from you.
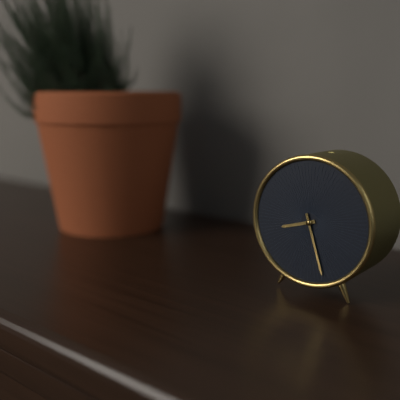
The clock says 8:27
